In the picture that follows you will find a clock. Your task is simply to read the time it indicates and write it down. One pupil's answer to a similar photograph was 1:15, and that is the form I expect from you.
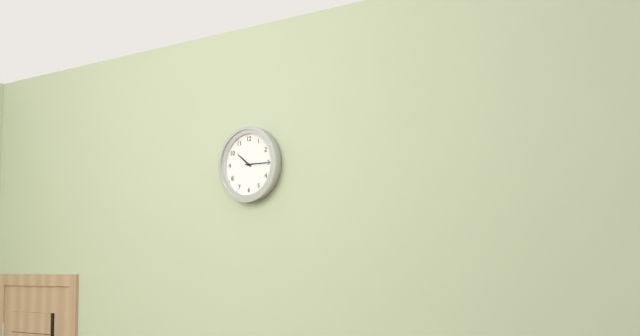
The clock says 10:15
